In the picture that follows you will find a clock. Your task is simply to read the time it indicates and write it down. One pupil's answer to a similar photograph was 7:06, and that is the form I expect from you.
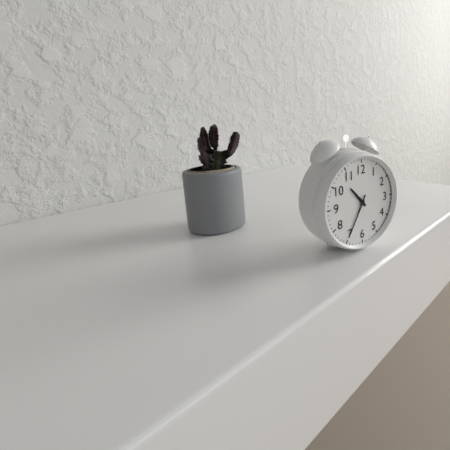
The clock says 10:35
